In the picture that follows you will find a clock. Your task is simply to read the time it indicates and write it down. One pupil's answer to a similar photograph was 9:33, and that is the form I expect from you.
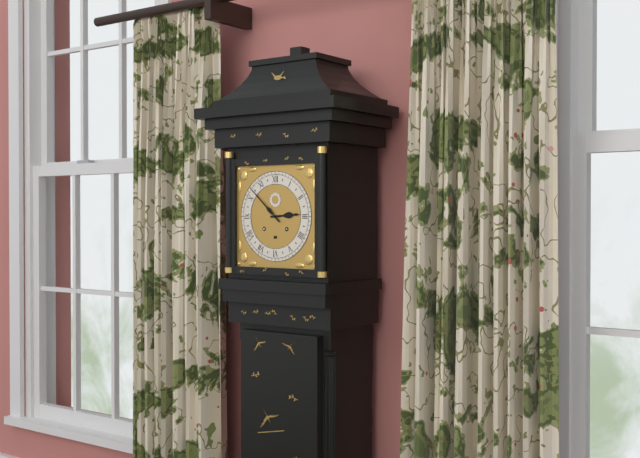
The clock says 2:52
